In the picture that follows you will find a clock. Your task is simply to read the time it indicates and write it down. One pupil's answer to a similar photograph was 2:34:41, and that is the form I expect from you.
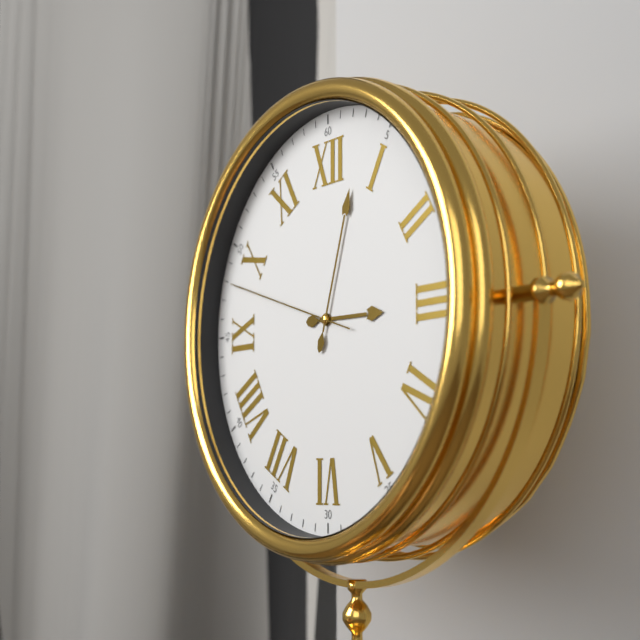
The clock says 3:03:48
